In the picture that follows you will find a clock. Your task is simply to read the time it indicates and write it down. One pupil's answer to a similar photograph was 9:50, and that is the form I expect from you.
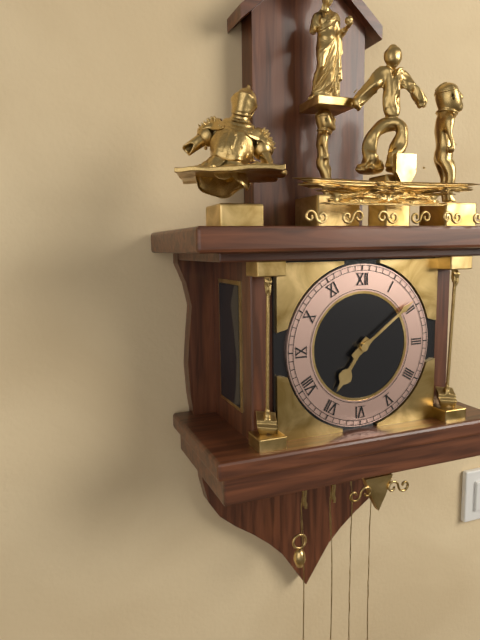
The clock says 7:09
